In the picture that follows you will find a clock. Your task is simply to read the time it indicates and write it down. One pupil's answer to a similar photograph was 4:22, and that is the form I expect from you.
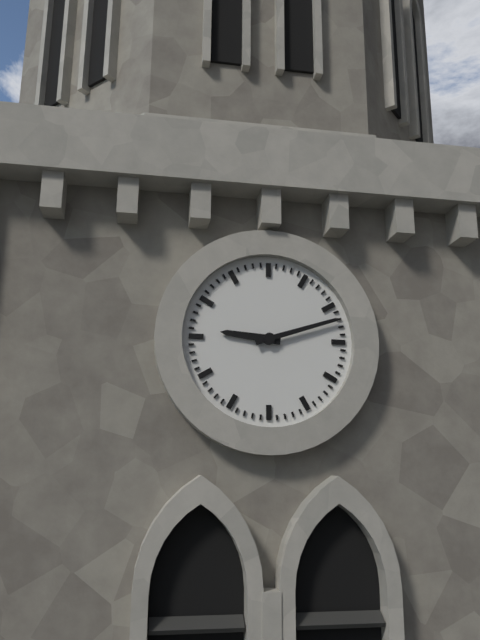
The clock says 9:12
